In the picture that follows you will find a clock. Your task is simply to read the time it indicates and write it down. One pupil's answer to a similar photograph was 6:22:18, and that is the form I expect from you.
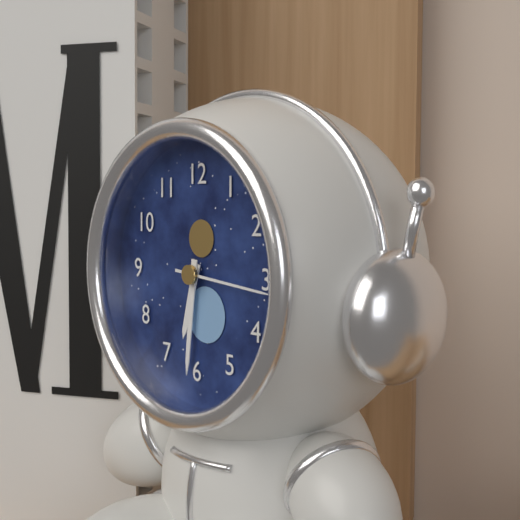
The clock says 6:31:16
